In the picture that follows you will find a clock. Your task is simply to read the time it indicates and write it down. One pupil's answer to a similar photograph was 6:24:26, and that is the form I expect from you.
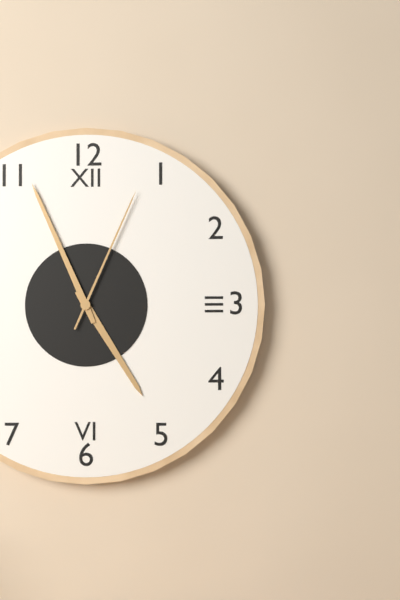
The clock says 4:56:04
